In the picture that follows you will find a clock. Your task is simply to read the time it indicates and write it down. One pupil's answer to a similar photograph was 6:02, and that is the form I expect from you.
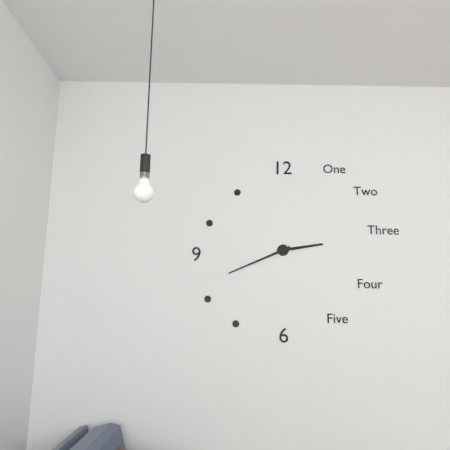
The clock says 2:41
